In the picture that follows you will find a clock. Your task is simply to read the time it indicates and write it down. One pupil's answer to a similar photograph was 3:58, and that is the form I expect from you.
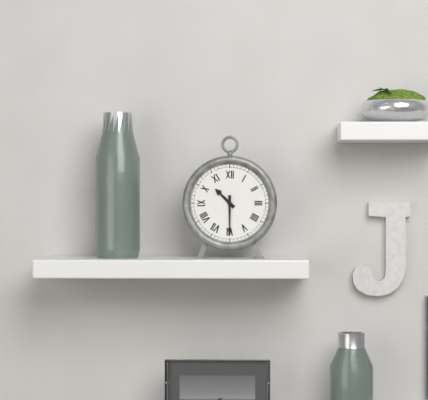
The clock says 10:30
